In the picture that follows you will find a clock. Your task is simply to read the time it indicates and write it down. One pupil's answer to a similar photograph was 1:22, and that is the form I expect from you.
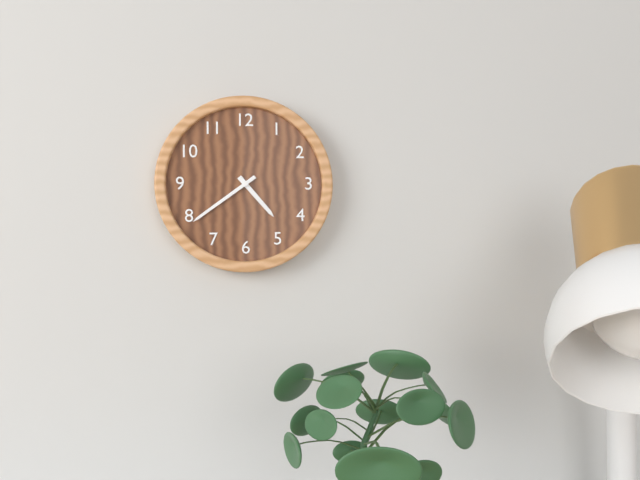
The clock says 4:39
